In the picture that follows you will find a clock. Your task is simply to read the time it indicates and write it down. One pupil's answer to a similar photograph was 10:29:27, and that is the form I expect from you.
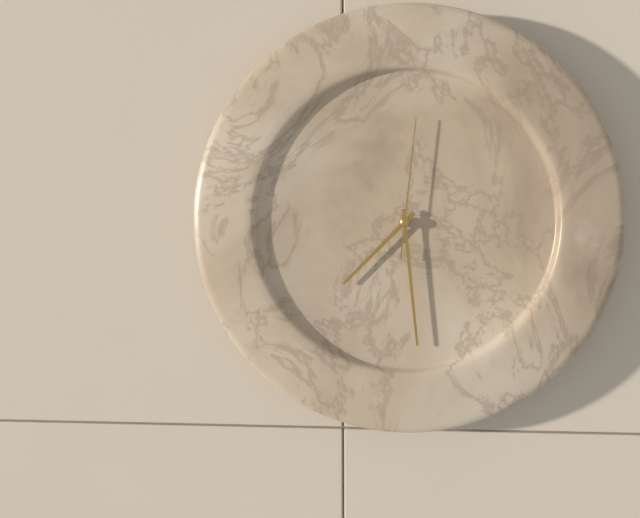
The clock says 7:29:01
